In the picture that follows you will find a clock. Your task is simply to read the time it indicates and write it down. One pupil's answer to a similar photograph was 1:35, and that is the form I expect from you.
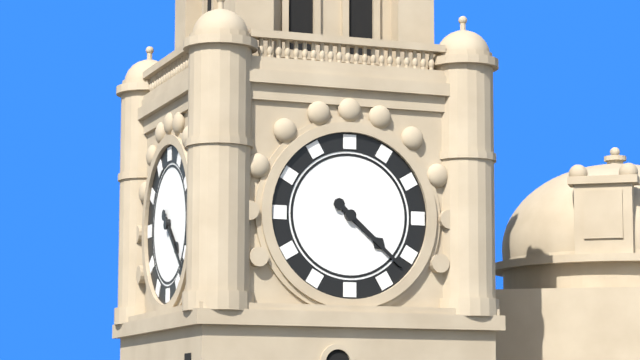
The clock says 4:22
